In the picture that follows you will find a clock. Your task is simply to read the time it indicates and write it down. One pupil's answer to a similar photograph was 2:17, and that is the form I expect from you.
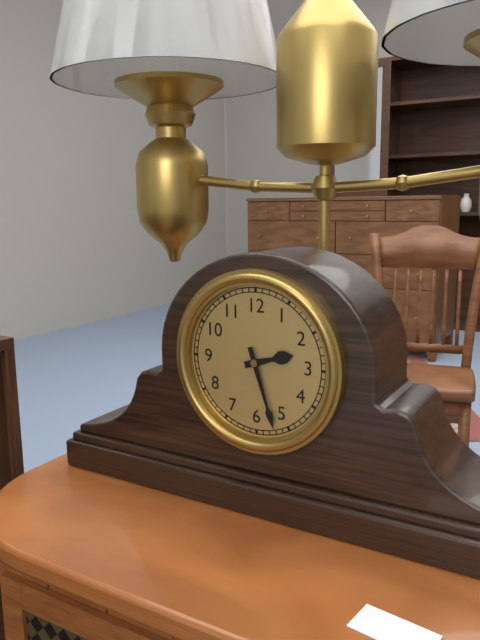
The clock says 2:27
